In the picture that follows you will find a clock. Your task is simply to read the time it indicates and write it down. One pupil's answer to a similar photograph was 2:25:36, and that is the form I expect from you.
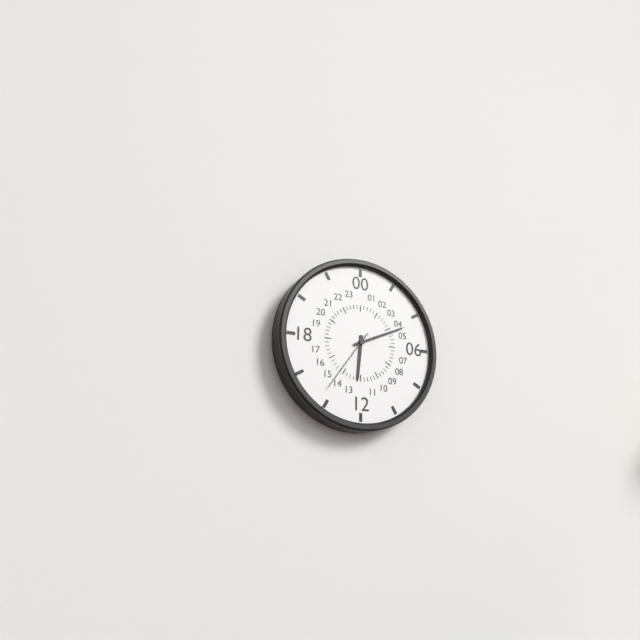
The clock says 6:11:36
